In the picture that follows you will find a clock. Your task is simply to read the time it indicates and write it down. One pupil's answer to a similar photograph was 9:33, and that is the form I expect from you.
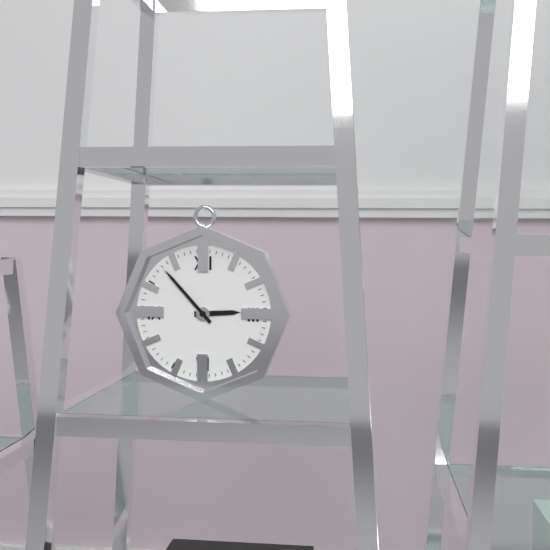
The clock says 2:53
